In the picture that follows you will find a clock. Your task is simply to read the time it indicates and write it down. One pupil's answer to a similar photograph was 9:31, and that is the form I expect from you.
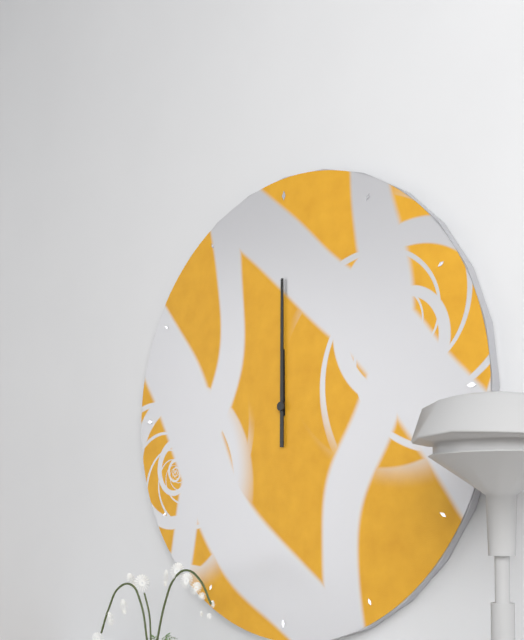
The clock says 12:00
